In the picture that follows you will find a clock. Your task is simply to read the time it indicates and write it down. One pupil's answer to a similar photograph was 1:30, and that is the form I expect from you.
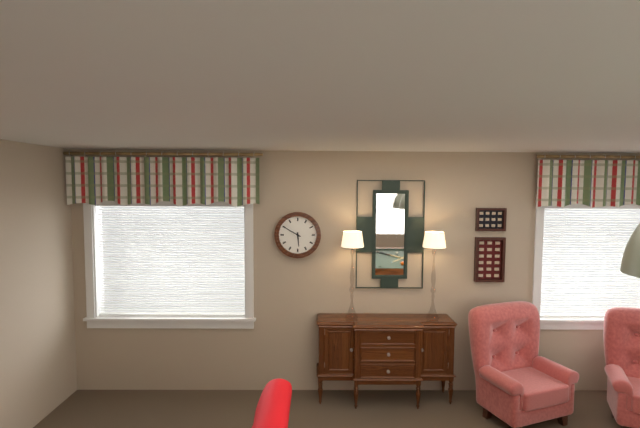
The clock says 5:50
